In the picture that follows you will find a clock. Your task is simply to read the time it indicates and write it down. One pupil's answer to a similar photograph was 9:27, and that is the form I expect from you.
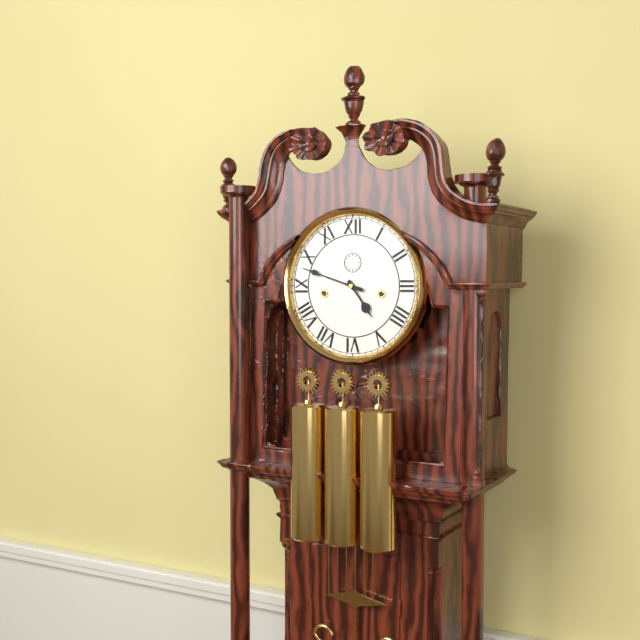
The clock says 4:48
